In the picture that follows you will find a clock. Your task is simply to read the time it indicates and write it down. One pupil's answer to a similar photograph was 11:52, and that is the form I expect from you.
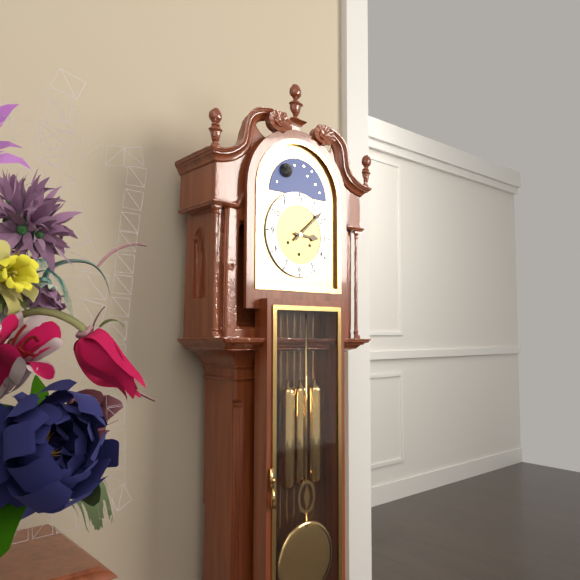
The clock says 3:08
